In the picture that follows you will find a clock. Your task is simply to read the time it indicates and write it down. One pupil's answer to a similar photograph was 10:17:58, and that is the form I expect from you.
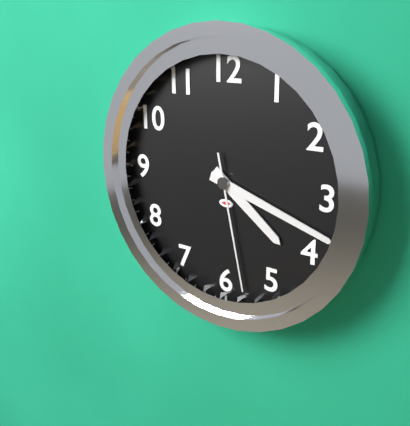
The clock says 4:18:28
